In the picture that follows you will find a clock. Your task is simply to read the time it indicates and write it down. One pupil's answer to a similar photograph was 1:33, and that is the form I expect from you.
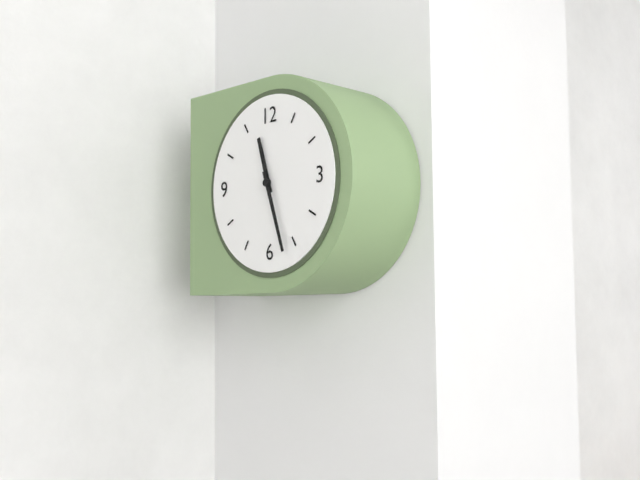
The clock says 11:27
